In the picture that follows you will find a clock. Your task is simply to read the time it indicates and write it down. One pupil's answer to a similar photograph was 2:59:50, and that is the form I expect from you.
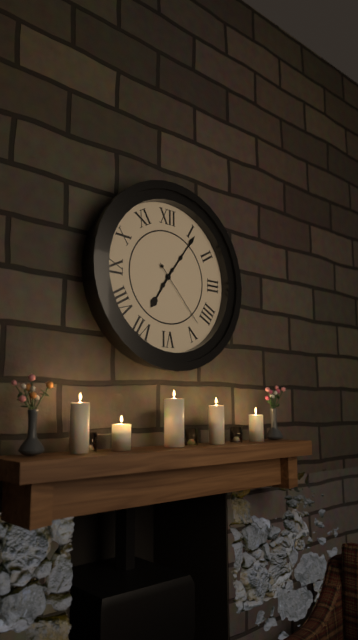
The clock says 7:06:23
